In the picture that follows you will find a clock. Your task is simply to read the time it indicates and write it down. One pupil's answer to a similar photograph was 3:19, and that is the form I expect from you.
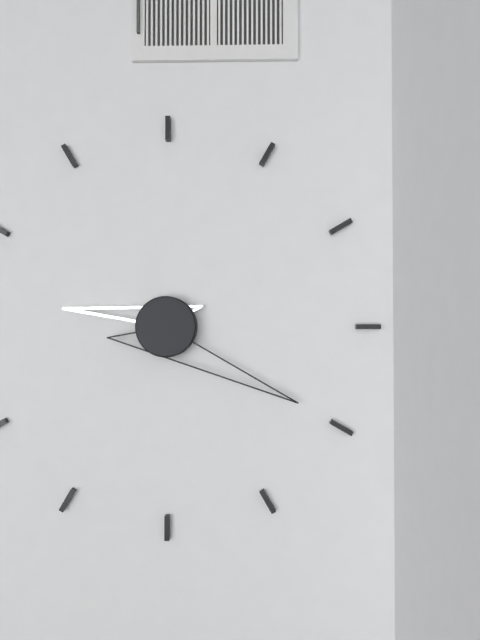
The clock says 9:20
